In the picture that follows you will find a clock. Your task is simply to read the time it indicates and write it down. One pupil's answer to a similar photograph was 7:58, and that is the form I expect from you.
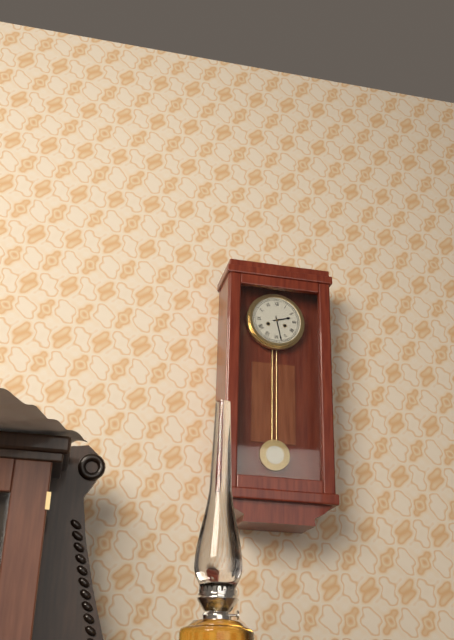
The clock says 2:28
